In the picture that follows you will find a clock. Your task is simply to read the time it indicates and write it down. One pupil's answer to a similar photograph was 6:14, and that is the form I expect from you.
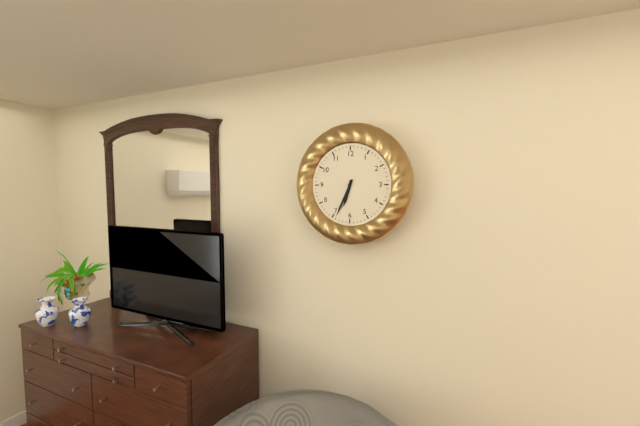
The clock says 6:34
